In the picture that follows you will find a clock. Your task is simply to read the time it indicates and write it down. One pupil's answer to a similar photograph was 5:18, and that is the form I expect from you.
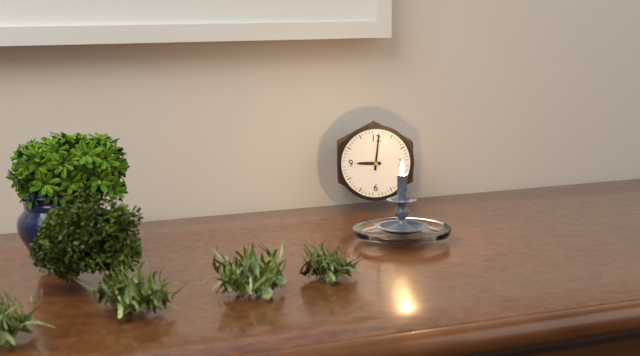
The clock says 9:01
